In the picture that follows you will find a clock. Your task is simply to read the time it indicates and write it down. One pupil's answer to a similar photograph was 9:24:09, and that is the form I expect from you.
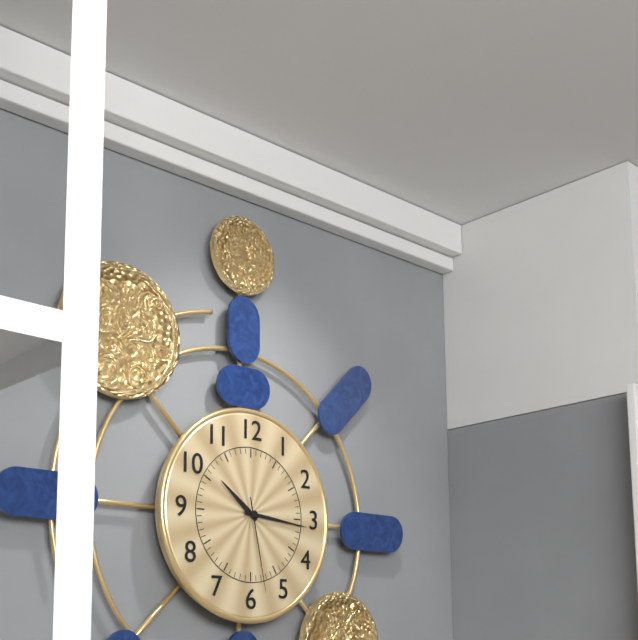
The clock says 10:16:28
